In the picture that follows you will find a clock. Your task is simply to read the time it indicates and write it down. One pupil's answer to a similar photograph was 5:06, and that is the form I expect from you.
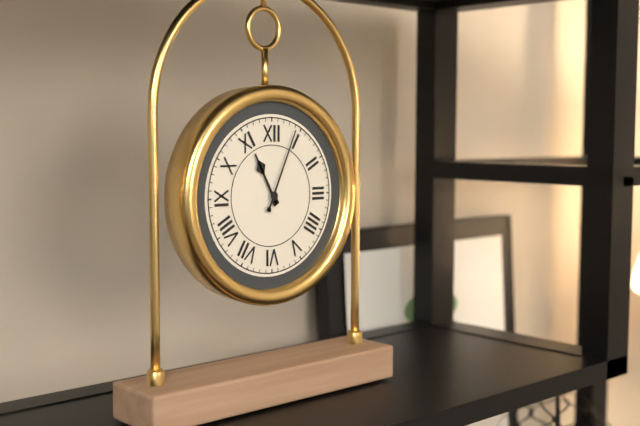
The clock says 11:04
